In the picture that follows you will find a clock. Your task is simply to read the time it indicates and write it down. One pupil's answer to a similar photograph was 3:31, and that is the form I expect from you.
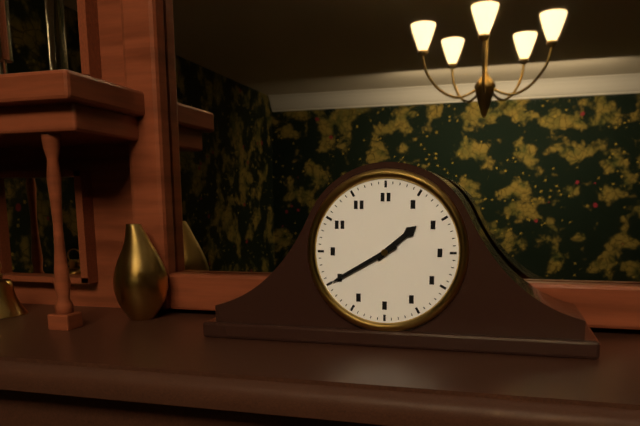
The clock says 1:40
